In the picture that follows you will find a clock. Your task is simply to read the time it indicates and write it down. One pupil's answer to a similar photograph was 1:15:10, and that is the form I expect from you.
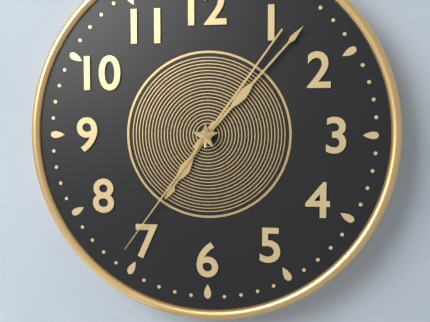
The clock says 7:07:36
